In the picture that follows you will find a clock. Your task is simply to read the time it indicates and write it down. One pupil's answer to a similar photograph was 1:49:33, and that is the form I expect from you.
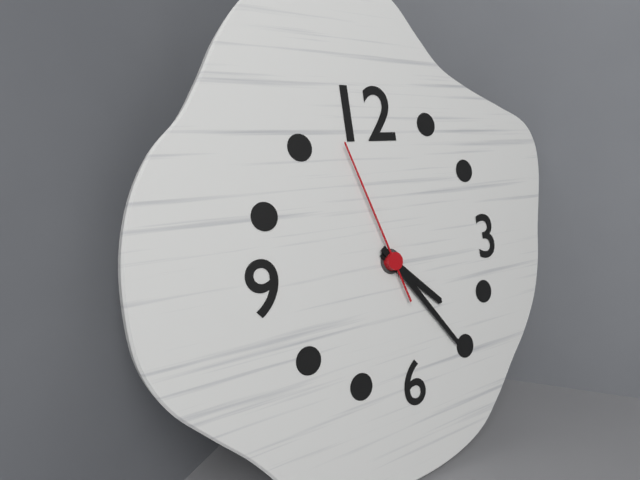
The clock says 4:24:57
